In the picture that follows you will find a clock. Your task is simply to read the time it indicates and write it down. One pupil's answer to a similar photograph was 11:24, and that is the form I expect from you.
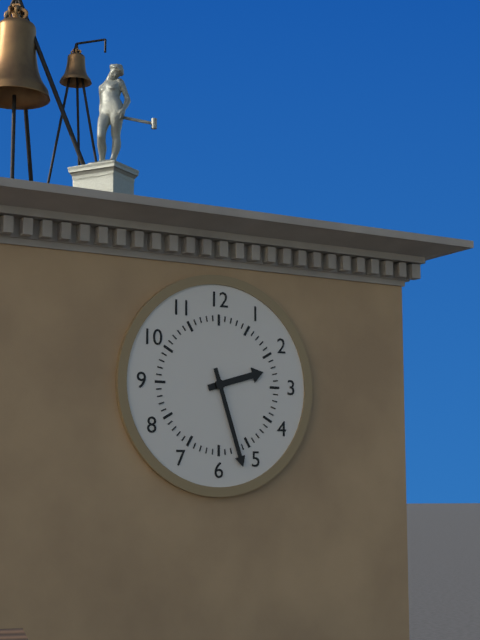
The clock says 2:27
